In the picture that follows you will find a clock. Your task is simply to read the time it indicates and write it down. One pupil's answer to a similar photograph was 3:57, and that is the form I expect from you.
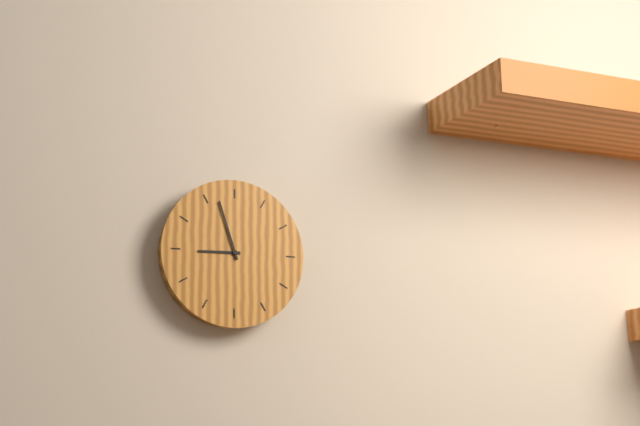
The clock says 8:57
